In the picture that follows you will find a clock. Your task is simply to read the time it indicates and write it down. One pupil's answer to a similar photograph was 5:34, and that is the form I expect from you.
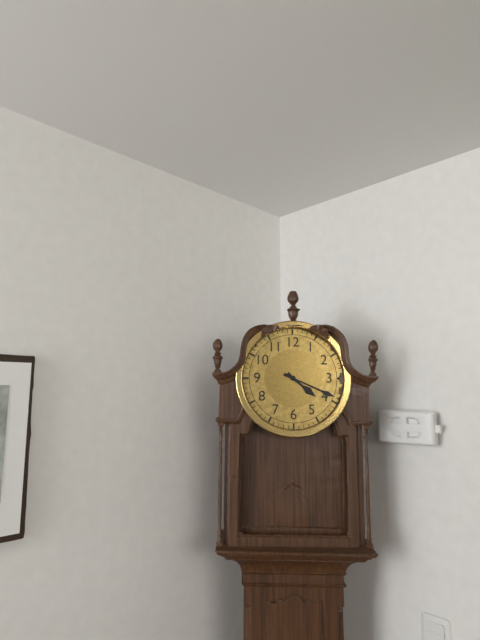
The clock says 4:19
